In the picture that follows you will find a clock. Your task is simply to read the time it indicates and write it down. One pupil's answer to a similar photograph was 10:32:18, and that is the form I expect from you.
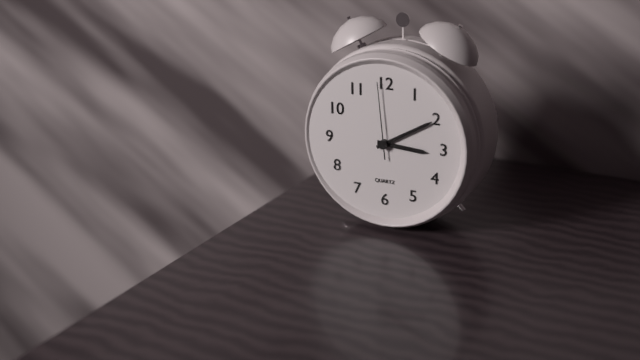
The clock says 3:10:59
